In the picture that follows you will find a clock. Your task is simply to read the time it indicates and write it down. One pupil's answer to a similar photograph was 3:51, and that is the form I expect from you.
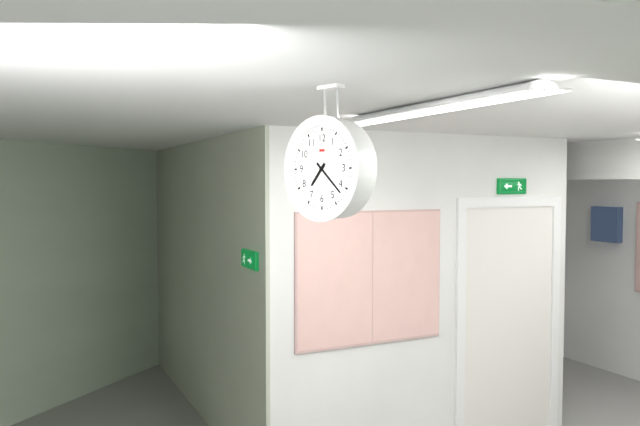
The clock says 7:22
